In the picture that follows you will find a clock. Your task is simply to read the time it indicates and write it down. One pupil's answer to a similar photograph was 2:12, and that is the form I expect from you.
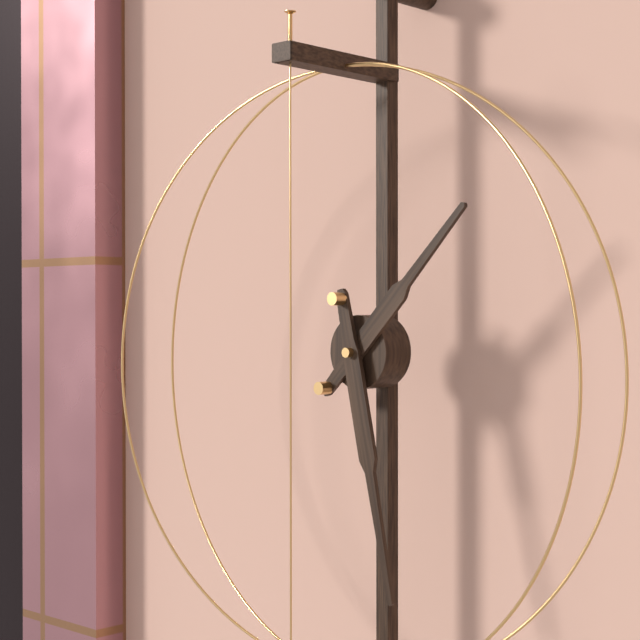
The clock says 1:28
